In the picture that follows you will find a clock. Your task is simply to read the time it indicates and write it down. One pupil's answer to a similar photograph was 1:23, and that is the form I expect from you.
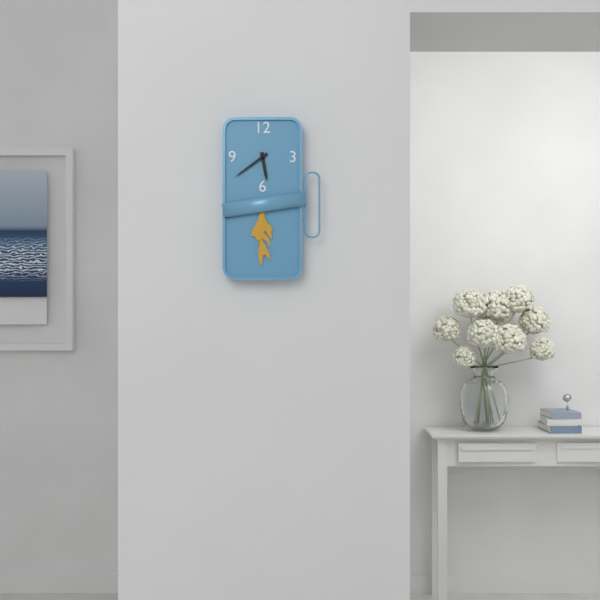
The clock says 5:39
